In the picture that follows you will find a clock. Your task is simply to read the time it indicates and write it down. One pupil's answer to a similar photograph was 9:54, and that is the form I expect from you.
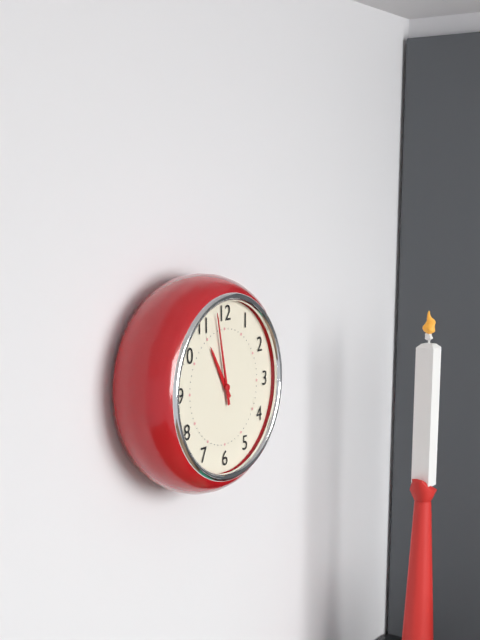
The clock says 10:58
